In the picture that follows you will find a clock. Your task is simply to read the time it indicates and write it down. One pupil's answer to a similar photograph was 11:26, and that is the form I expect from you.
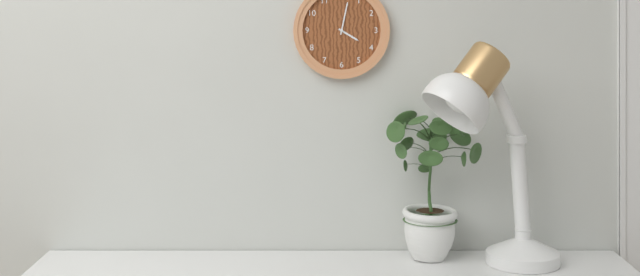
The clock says 4:02
